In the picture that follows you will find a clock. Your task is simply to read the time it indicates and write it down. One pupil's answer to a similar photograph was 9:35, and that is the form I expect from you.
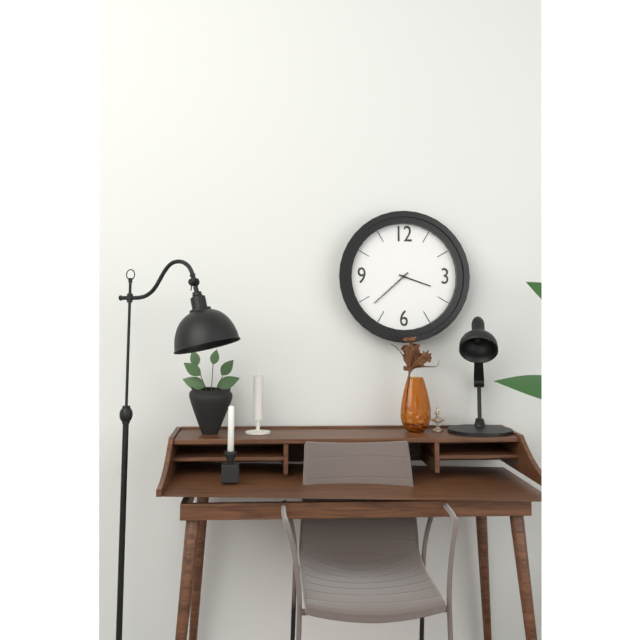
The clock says 3:38
